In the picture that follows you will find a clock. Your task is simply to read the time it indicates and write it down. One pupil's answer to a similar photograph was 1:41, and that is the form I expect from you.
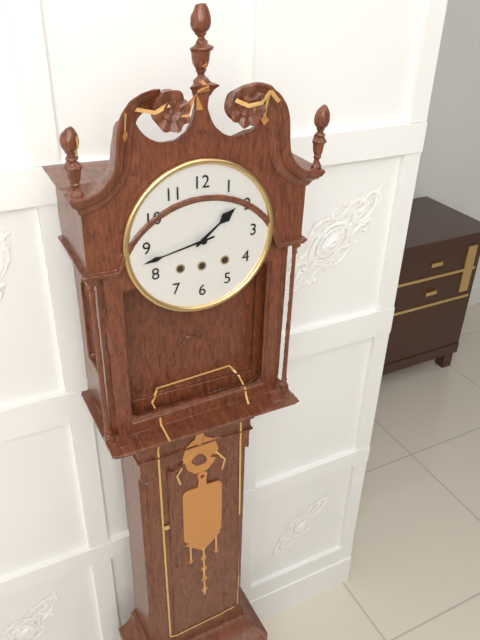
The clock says 1:43
